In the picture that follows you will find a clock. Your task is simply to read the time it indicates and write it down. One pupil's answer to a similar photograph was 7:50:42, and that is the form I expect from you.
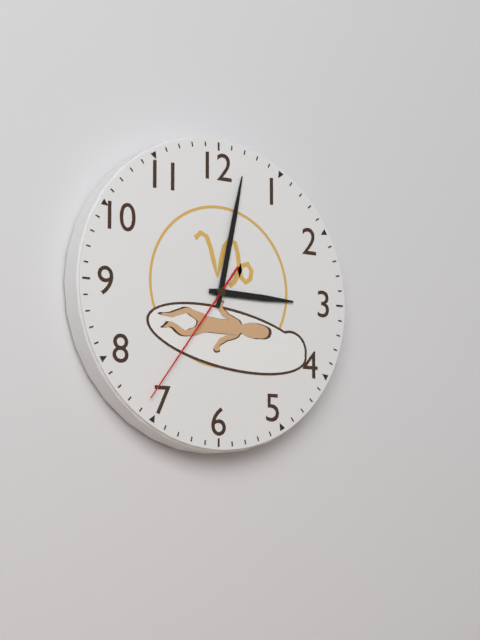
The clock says 3:02:36
